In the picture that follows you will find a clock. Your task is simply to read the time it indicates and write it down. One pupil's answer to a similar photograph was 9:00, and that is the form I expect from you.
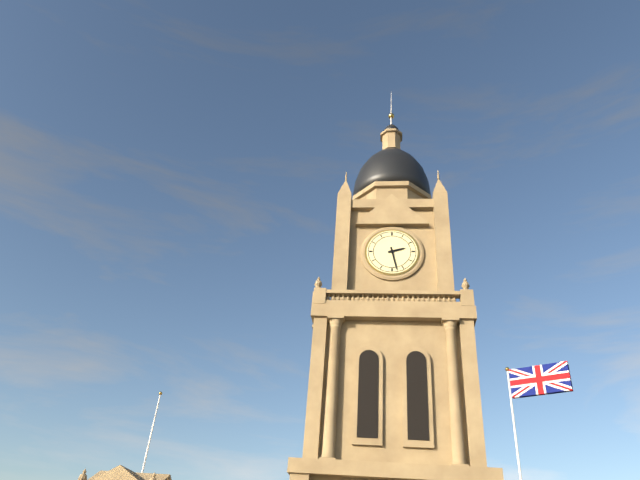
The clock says 2:28
